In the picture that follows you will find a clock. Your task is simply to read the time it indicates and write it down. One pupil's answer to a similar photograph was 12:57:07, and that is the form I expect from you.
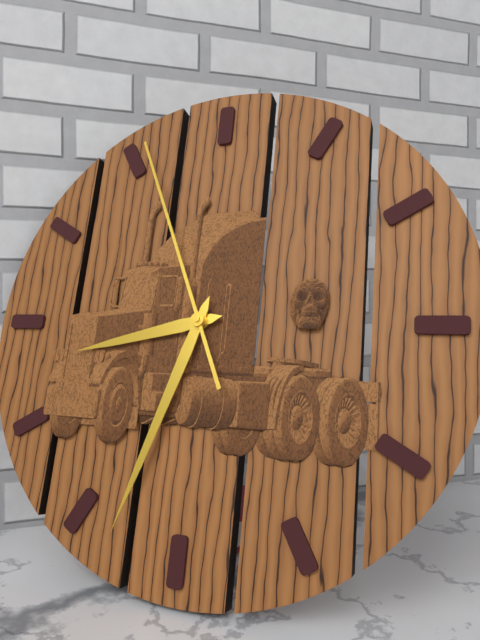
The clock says 8:33:56
